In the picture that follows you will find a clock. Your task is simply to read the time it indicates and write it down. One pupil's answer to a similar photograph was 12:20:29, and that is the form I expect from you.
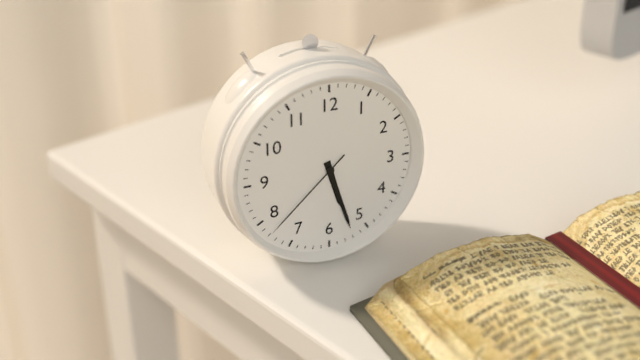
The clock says 5:27:38
